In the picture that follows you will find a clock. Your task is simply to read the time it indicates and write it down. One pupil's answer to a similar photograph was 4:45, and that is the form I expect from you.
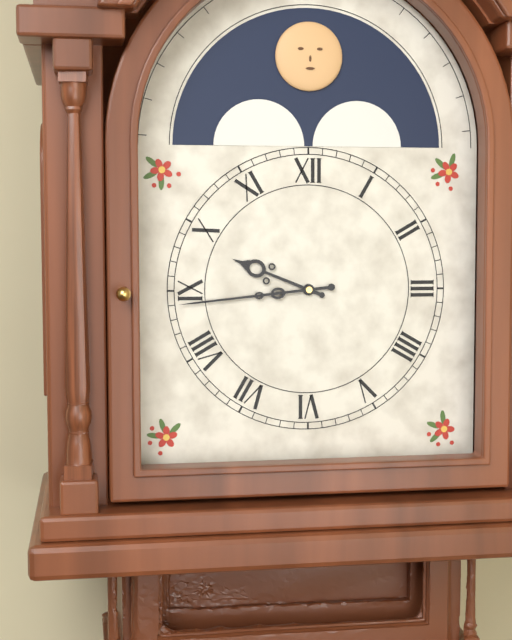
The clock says 9:44
